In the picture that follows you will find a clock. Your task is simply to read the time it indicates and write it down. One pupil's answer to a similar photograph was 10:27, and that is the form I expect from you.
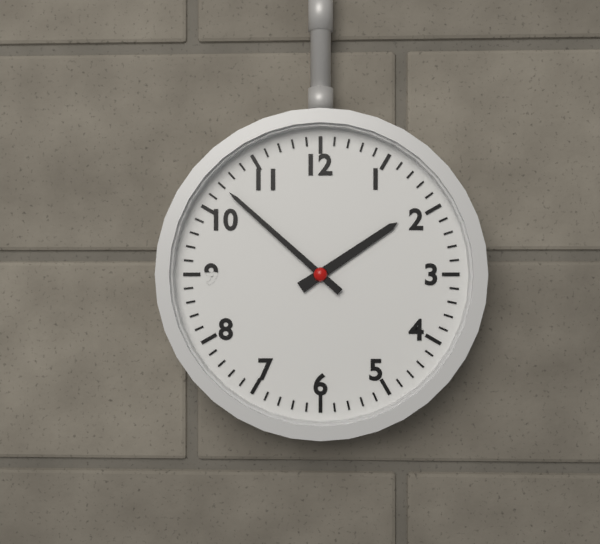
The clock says 1:52
